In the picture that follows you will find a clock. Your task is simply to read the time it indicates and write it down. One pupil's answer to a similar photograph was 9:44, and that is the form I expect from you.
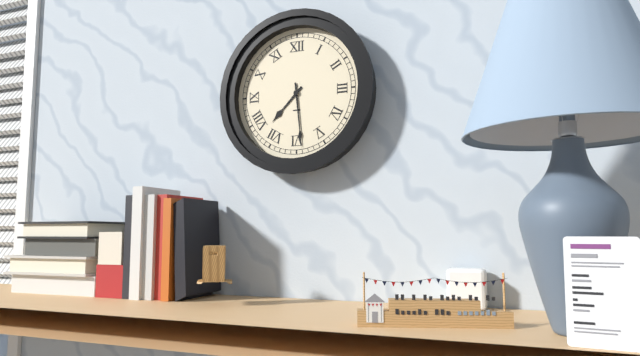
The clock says 7:29
